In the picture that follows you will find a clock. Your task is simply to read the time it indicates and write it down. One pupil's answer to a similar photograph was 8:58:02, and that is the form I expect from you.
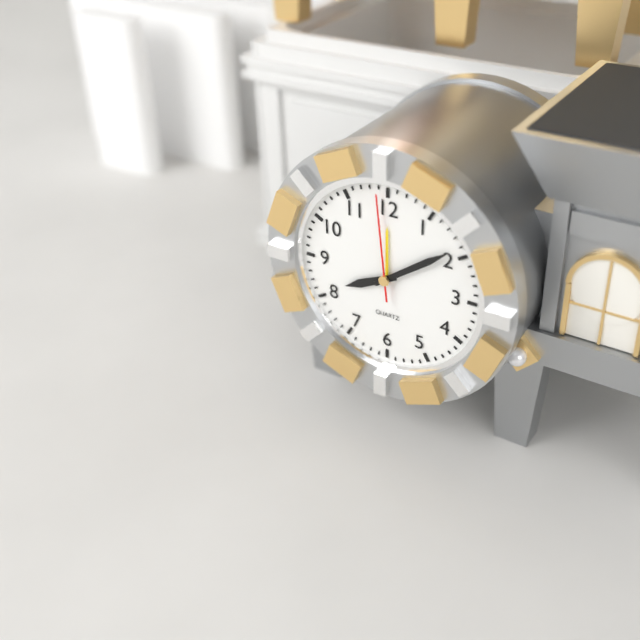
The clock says 8:09:59
